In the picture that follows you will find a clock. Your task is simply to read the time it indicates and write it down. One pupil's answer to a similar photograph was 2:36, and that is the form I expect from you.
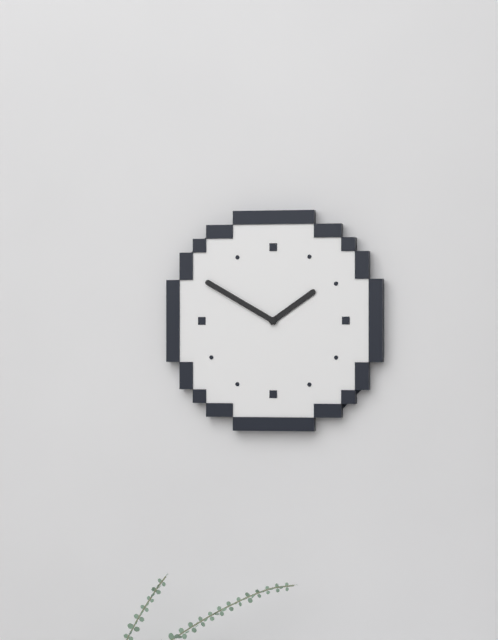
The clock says 1:50
